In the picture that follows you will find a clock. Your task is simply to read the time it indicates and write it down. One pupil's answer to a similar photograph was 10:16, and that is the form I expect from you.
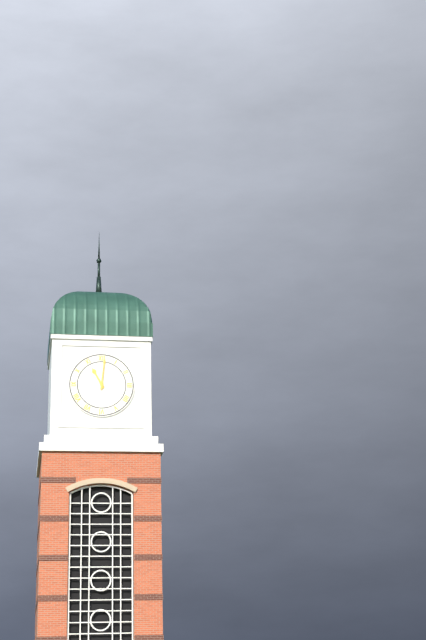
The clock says 11:01
